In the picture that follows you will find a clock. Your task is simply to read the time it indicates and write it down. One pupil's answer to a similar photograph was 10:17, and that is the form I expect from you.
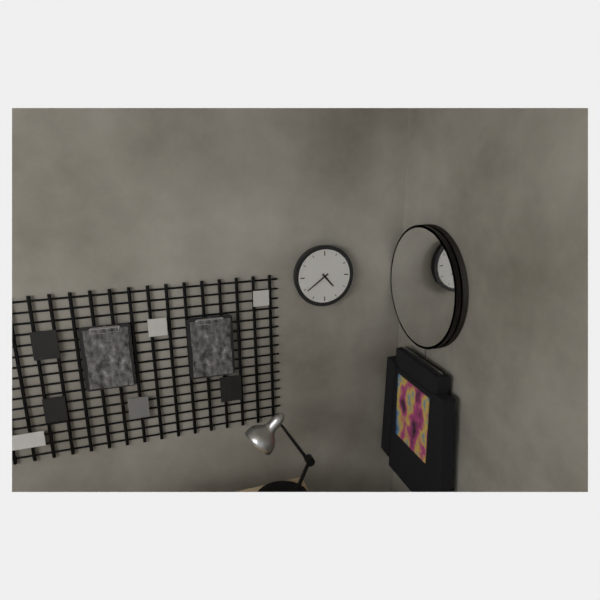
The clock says 4:39
